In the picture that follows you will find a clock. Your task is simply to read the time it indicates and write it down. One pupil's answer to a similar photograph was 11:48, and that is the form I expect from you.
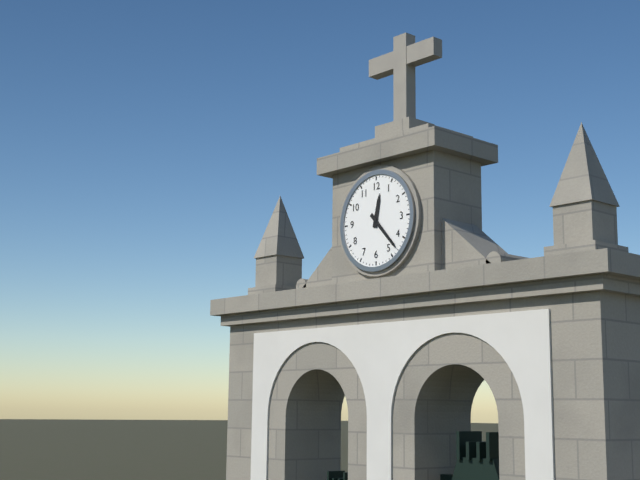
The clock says 12:23
